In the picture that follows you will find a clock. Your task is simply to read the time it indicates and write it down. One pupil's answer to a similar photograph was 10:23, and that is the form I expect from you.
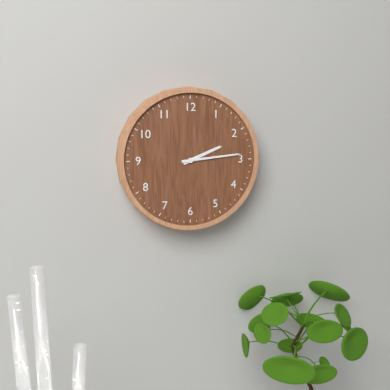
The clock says 2:14
